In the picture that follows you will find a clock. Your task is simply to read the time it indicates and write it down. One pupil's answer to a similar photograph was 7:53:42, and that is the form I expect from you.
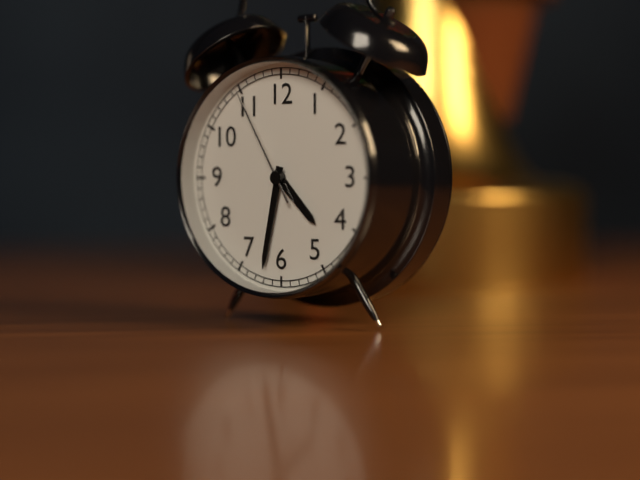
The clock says 4:32:55
